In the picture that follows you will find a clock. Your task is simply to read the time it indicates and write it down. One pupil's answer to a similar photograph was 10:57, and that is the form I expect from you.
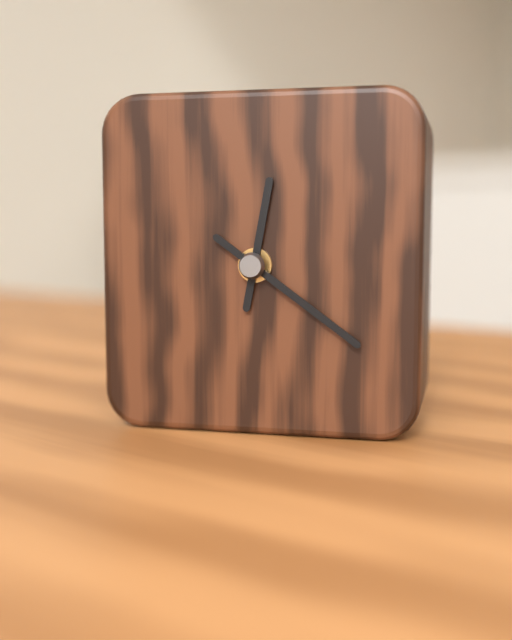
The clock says 12:21
